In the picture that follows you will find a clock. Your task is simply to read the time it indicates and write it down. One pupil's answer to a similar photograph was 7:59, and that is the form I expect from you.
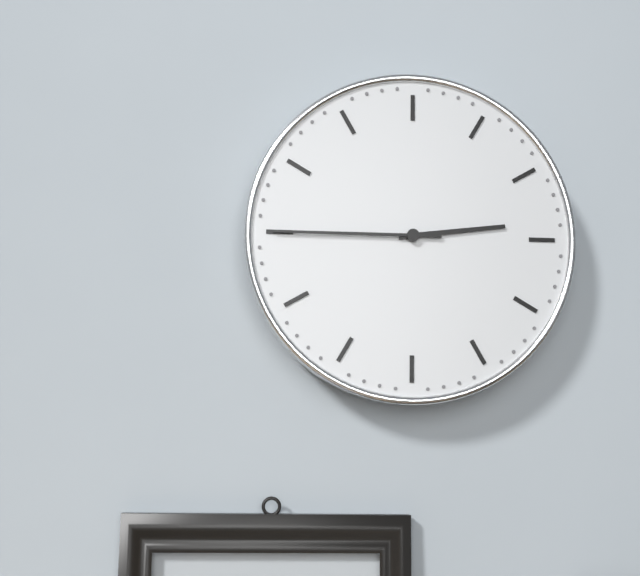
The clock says 2:45
